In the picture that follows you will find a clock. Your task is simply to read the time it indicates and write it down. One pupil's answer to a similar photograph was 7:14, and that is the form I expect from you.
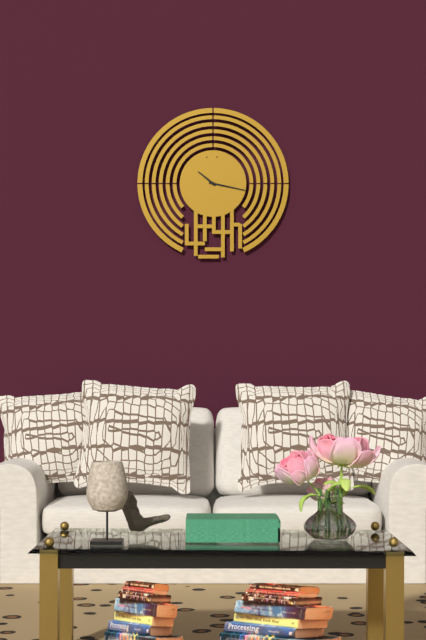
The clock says 10:17
